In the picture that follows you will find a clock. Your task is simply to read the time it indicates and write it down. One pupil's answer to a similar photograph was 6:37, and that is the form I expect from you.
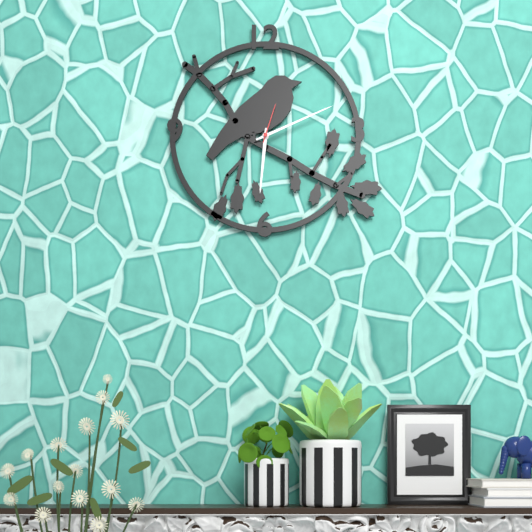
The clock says 6:11
